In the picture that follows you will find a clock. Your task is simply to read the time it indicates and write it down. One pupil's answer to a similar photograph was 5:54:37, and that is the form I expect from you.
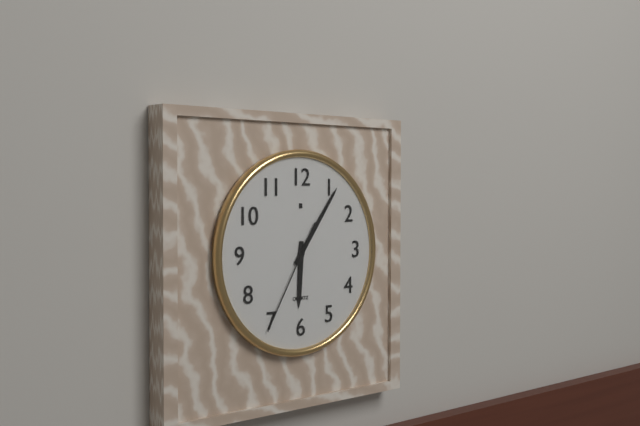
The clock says 6:06:35
